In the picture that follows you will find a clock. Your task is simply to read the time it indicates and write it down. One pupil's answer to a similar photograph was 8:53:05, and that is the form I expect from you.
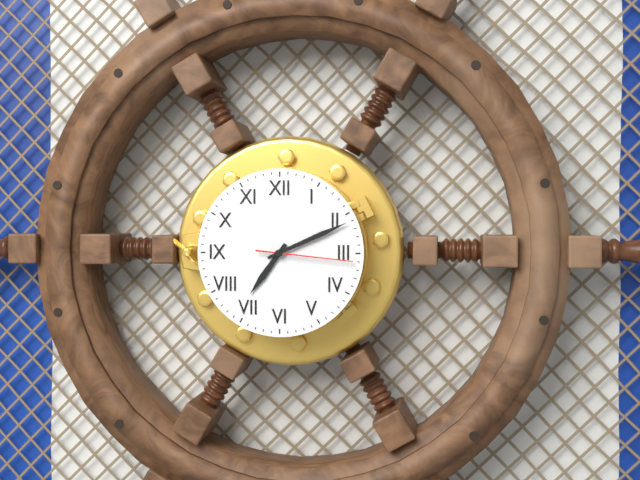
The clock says 7:11:16
